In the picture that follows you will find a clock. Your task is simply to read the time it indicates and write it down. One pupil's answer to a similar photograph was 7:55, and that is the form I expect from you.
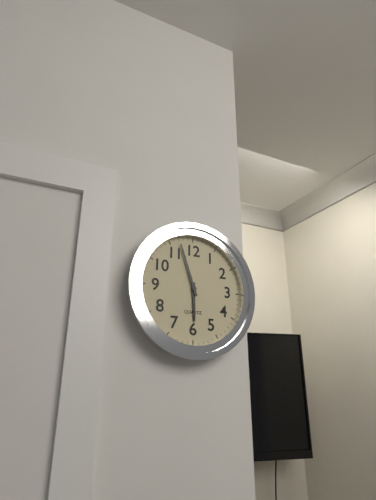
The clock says 5:57
